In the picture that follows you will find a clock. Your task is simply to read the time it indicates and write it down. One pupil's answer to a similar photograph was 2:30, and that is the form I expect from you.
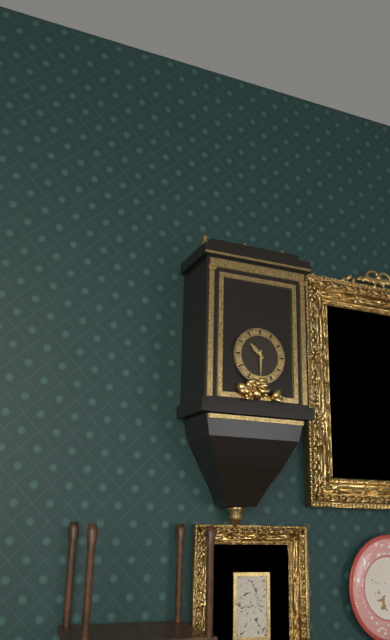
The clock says 10:30
